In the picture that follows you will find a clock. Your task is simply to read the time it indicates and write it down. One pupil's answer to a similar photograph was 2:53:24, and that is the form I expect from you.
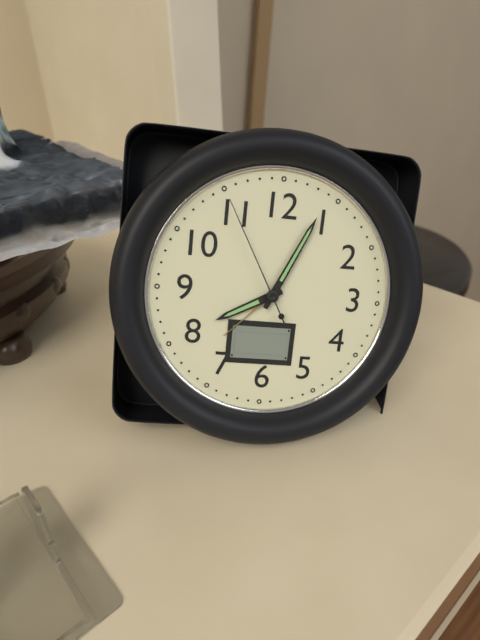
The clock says 8:04:55
